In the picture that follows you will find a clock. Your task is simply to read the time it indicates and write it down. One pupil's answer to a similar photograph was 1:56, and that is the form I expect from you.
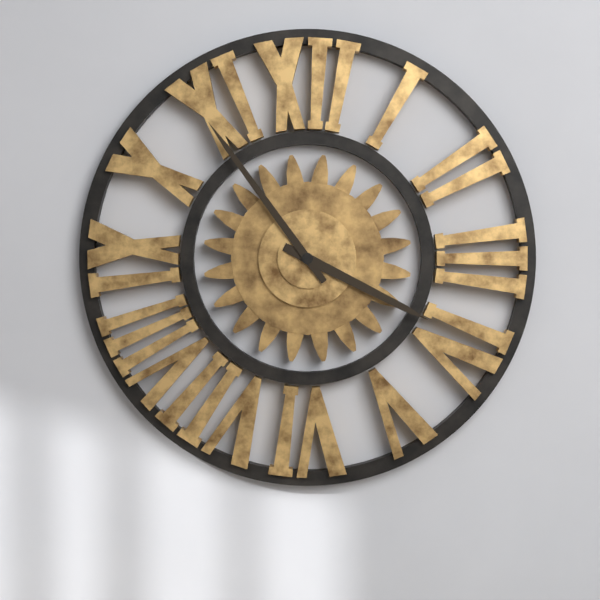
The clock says 3:54
